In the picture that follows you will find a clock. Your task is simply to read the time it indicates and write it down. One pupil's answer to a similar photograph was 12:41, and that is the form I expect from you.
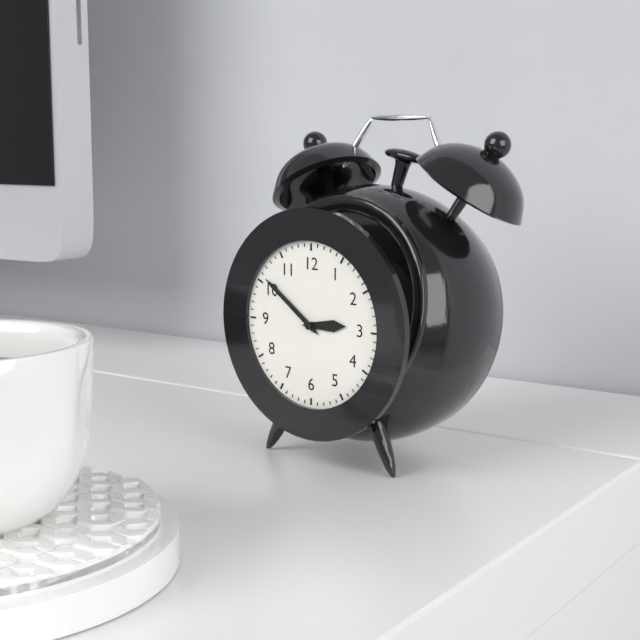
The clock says 2:51
